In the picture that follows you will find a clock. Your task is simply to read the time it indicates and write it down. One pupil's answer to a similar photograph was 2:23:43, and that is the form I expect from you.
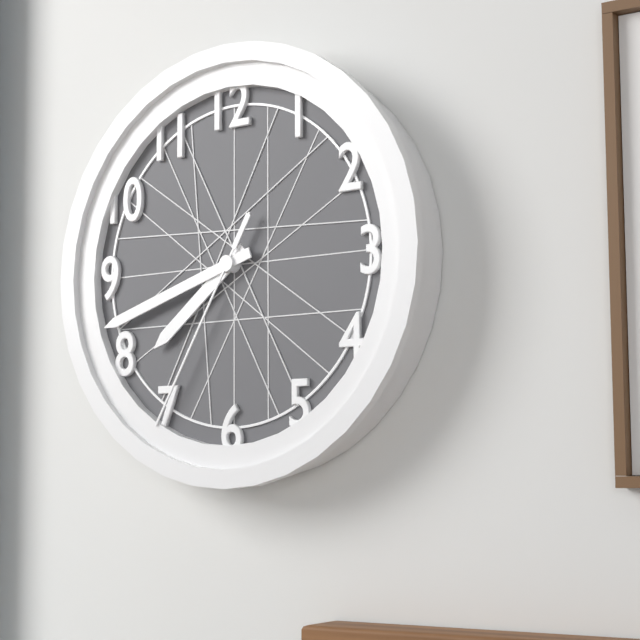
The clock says 7:42:35
